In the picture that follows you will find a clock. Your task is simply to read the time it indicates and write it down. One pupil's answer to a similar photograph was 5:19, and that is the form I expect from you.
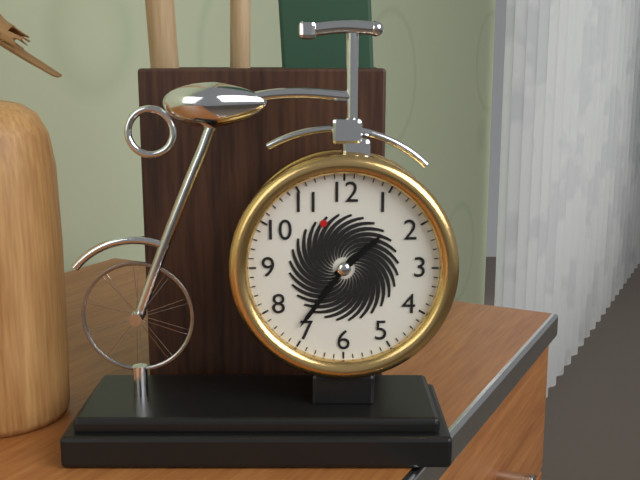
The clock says 1:36
